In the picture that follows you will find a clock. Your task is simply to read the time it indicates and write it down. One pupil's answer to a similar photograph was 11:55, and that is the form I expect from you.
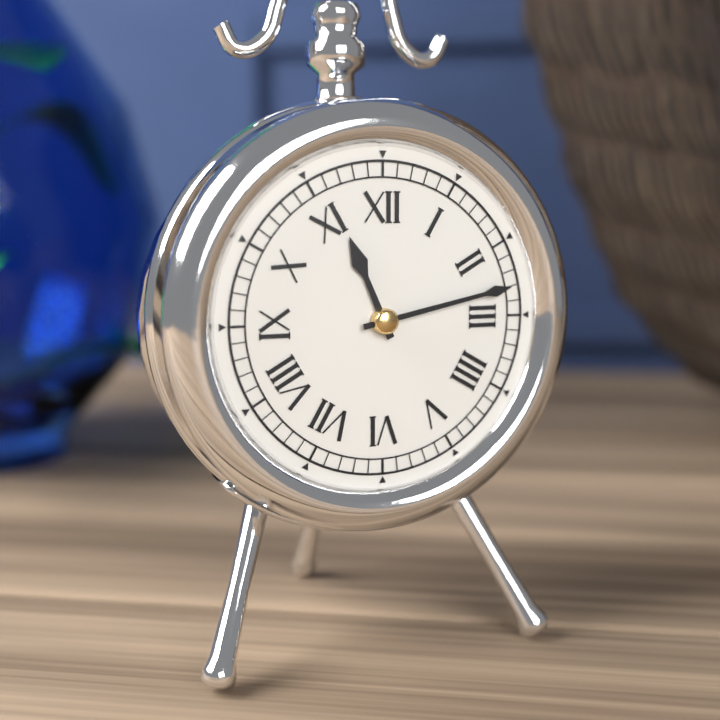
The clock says 11:13
